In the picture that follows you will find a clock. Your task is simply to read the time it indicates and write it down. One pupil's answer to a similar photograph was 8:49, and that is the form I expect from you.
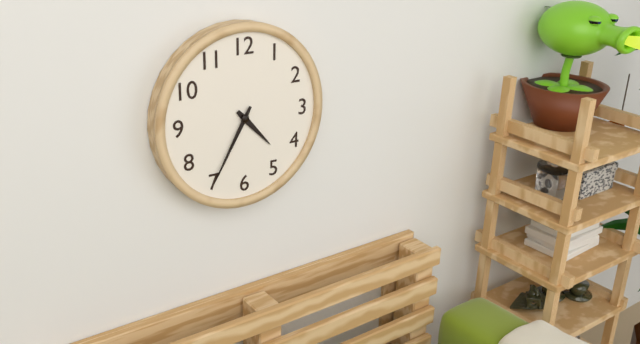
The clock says 4:35
